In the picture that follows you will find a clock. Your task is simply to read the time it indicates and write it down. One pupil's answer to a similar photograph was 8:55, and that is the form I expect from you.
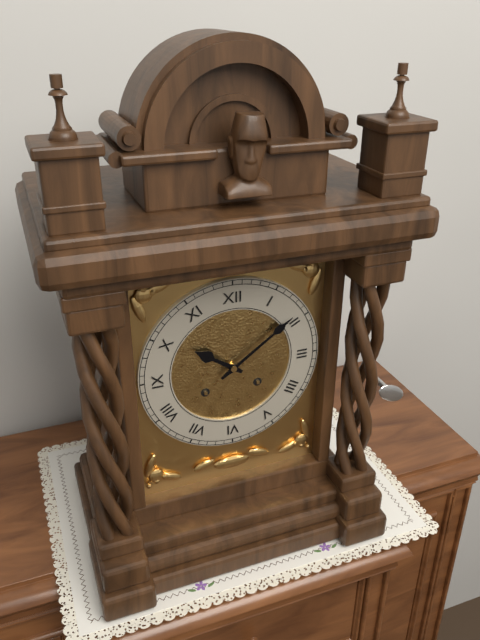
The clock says 10:09
